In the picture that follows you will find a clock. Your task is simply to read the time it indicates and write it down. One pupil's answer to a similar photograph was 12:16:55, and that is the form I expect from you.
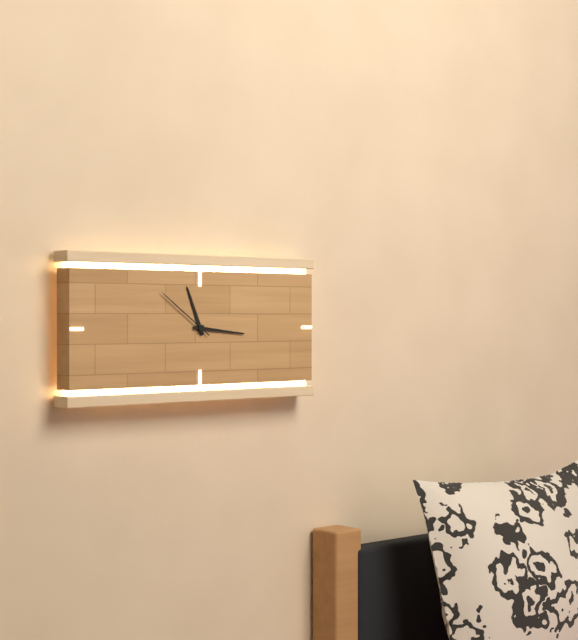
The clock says 11:16:51
